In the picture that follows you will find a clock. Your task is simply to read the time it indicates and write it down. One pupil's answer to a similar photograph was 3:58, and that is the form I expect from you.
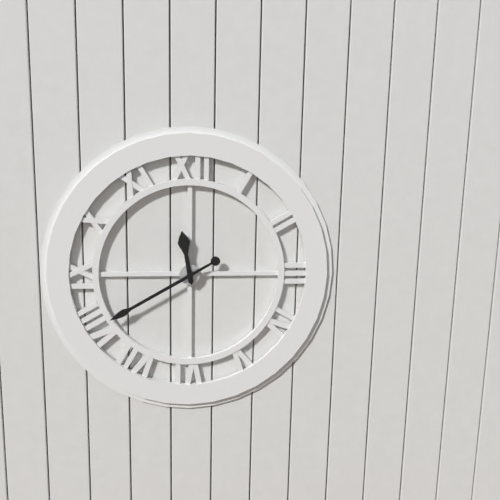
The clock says 11:40
